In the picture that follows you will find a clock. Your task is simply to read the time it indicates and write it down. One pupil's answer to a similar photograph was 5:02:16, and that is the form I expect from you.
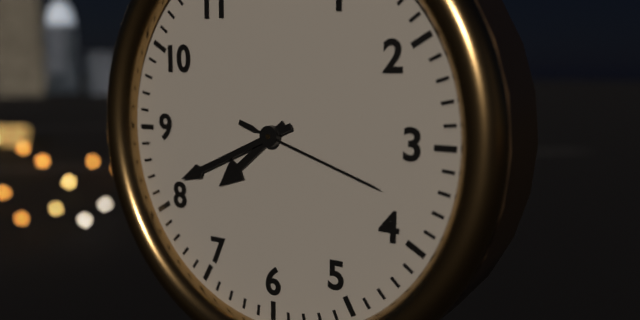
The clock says 7:41:18
